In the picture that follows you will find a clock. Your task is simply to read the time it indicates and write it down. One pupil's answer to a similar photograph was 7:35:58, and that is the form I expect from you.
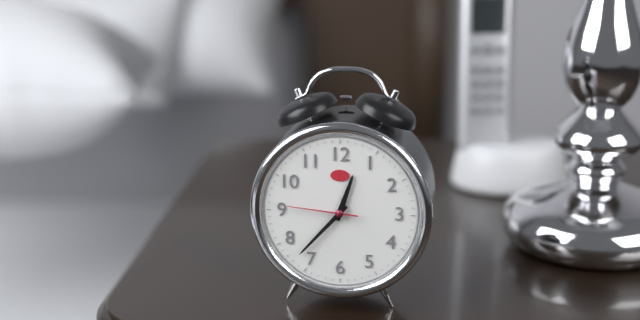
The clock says 12:37:46
